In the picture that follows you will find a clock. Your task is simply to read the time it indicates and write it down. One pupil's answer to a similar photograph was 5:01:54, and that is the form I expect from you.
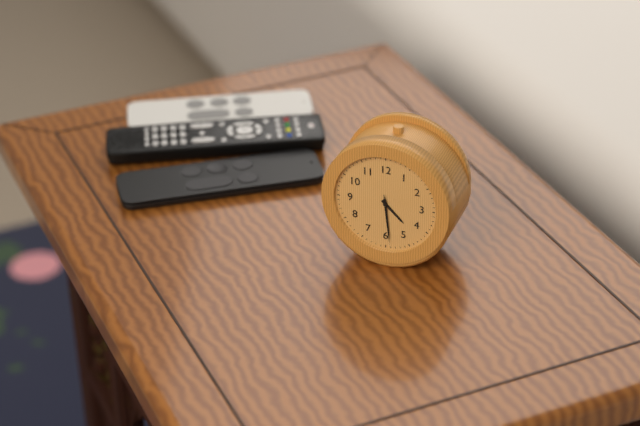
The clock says 4:29:29
